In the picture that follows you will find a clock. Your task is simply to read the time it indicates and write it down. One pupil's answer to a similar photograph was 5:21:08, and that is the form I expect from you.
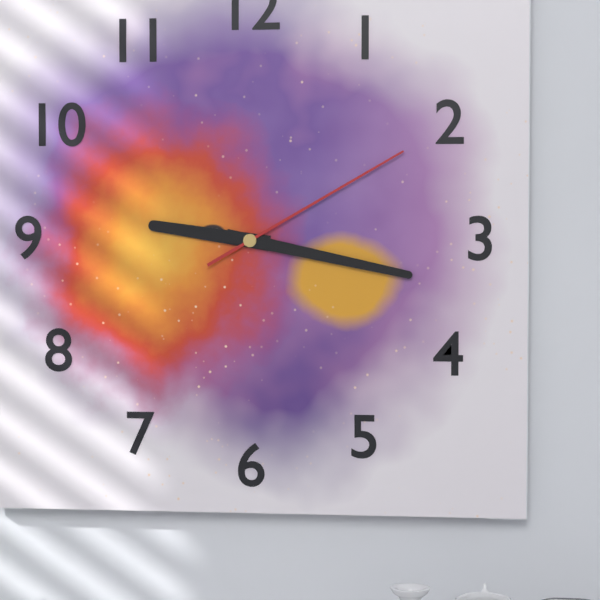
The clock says 9:17:10
